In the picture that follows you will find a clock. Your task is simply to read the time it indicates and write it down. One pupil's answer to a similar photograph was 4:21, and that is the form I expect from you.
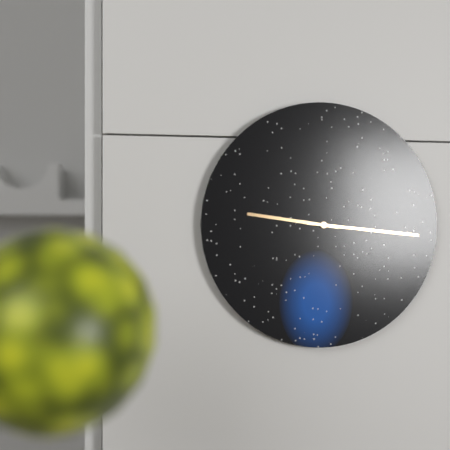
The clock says 9:16
